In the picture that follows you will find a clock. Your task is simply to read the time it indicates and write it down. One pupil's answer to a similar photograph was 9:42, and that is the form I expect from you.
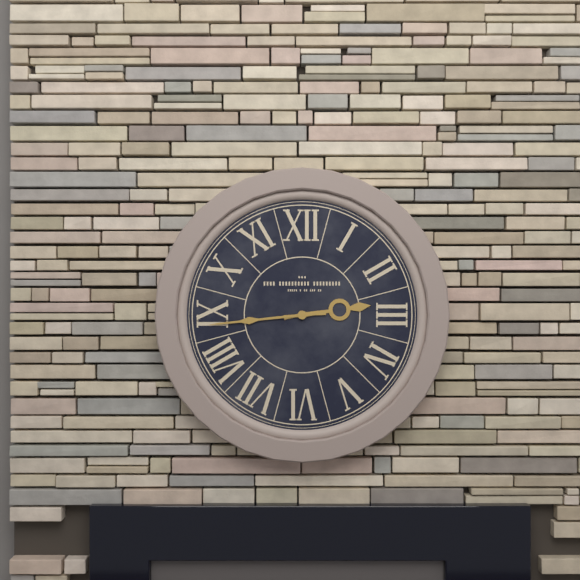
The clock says 2:44
